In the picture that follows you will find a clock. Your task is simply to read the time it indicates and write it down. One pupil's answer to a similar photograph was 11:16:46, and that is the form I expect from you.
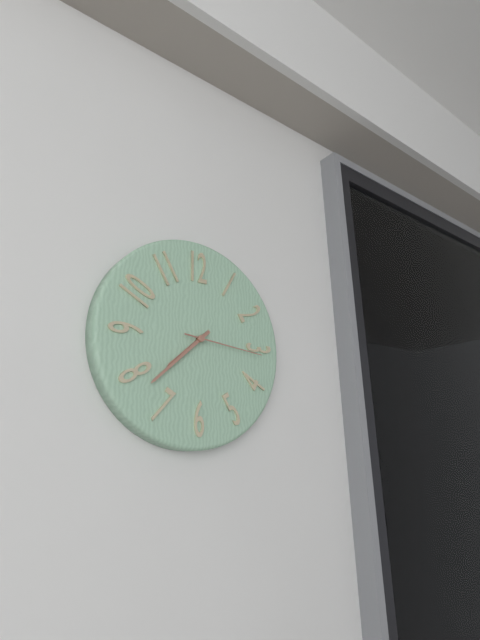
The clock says 7:38:16
